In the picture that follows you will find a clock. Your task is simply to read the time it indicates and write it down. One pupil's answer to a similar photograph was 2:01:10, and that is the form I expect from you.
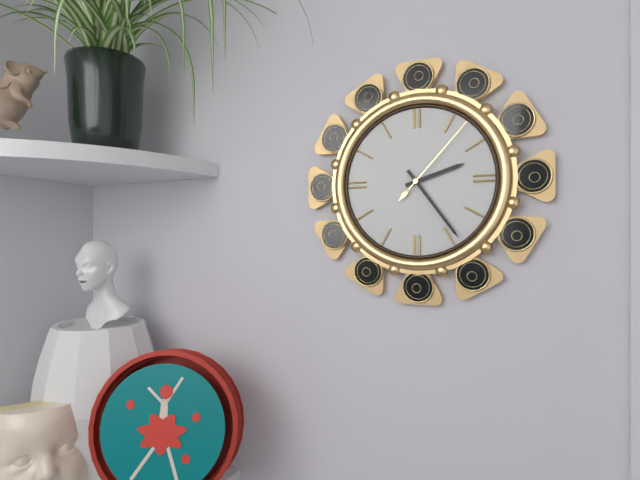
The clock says 2:24:07
